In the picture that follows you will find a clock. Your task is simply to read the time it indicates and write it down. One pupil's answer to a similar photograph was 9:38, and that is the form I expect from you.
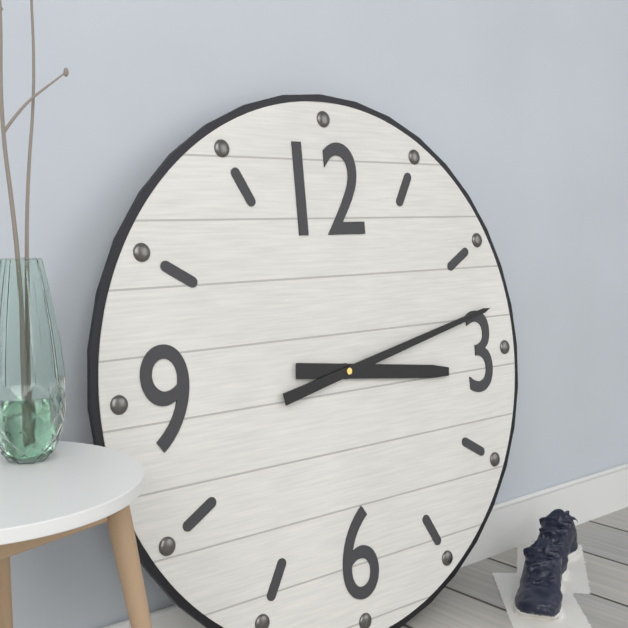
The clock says 3:13
